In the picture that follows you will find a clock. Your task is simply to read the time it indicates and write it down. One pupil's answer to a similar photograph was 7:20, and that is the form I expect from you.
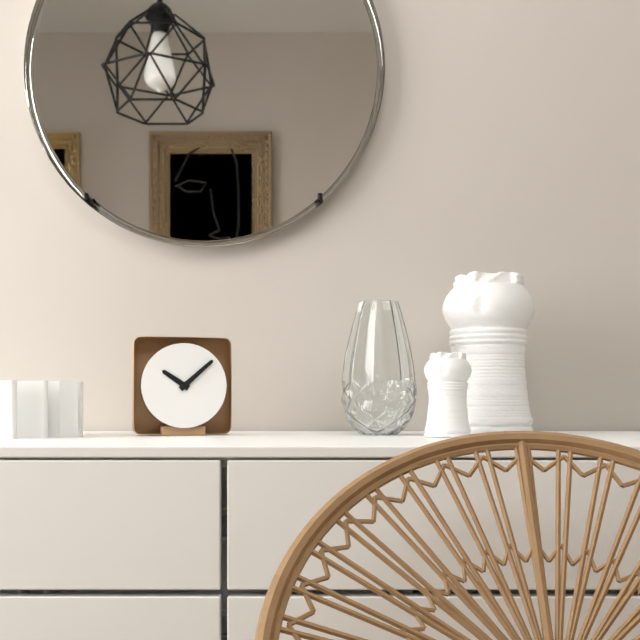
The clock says 10:08
